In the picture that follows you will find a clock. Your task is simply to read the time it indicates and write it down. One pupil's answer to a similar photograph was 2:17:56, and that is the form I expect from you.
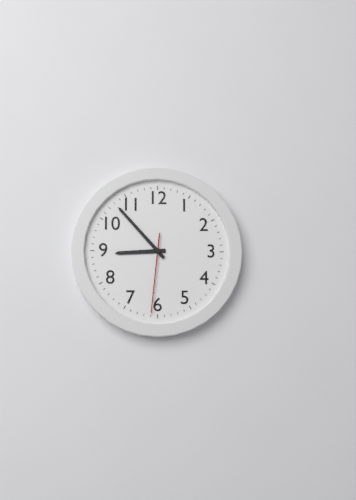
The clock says 8:53:31
